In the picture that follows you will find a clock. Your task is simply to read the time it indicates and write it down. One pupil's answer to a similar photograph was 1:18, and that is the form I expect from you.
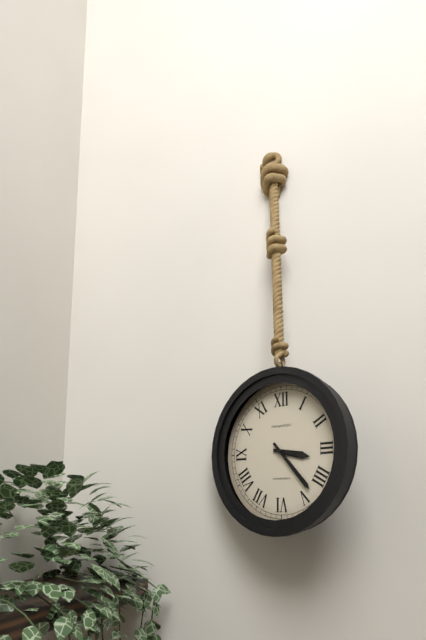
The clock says 3:23
